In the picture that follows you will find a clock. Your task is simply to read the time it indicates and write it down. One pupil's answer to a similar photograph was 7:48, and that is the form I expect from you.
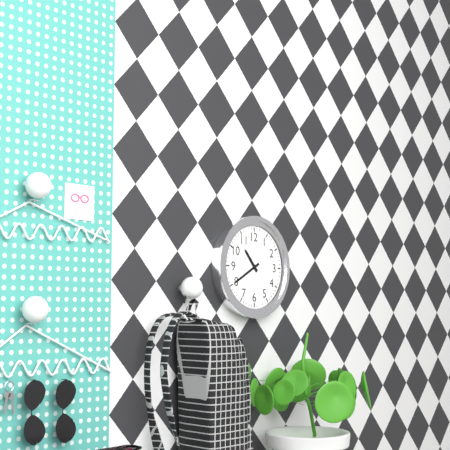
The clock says 10:40
